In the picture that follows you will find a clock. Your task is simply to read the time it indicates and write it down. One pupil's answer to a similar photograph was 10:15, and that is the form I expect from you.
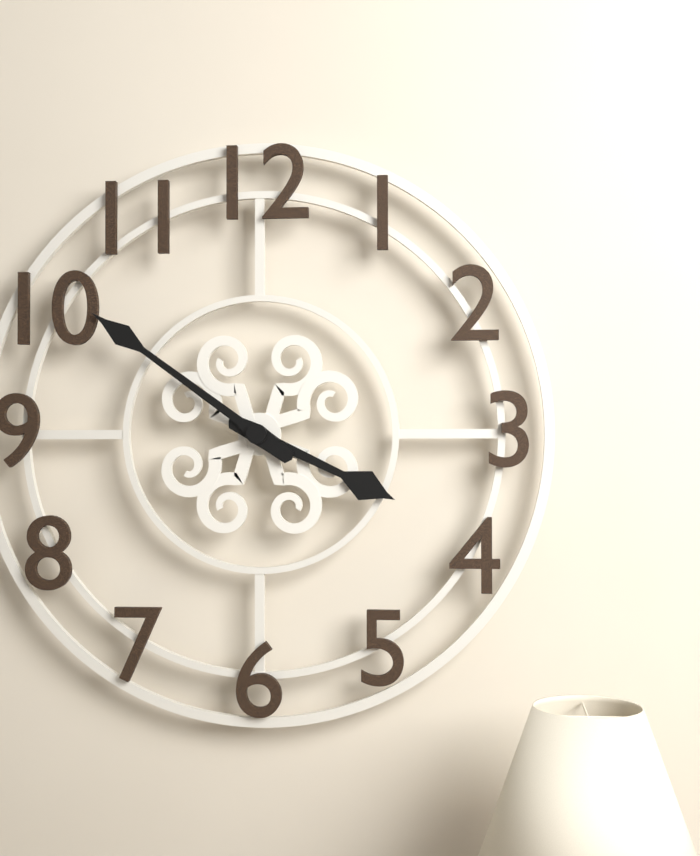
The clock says 3:51
